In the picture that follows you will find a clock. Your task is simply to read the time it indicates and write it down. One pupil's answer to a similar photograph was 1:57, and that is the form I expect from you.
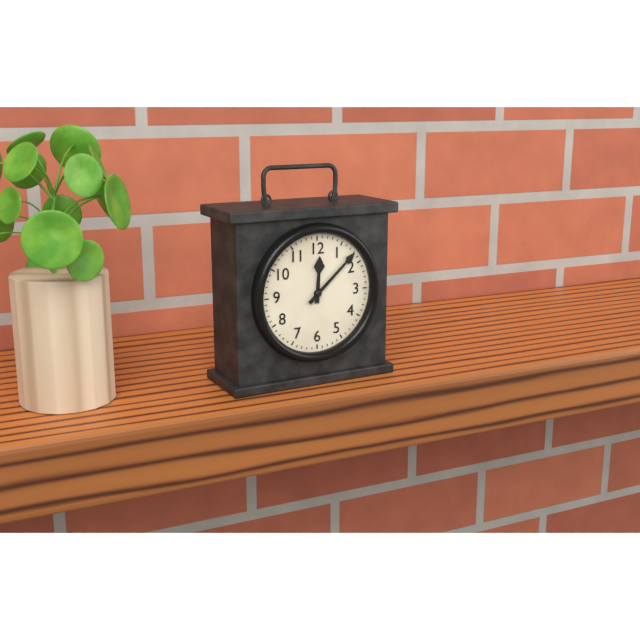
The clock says 12:08
